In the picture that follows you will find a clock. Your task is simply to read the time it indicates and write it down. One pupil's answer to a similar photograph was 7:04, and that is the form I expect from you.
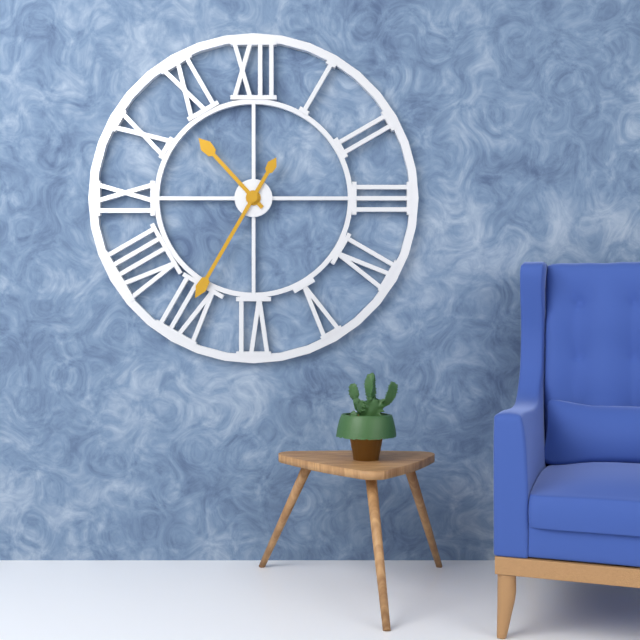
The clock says 10:35
